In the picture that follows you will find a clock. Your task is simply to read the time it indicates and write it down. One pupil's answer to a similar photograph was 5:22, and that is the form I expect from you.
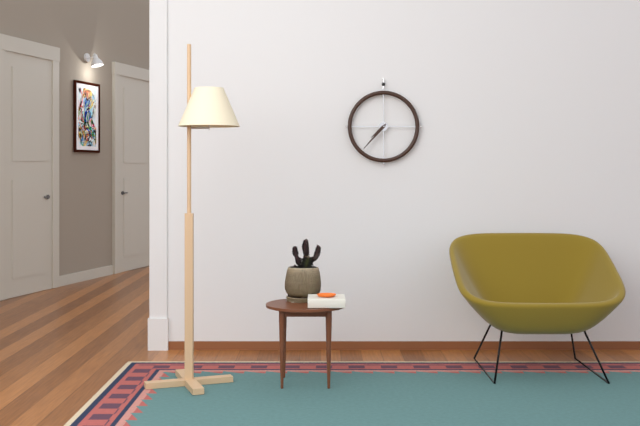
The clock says 7:37
